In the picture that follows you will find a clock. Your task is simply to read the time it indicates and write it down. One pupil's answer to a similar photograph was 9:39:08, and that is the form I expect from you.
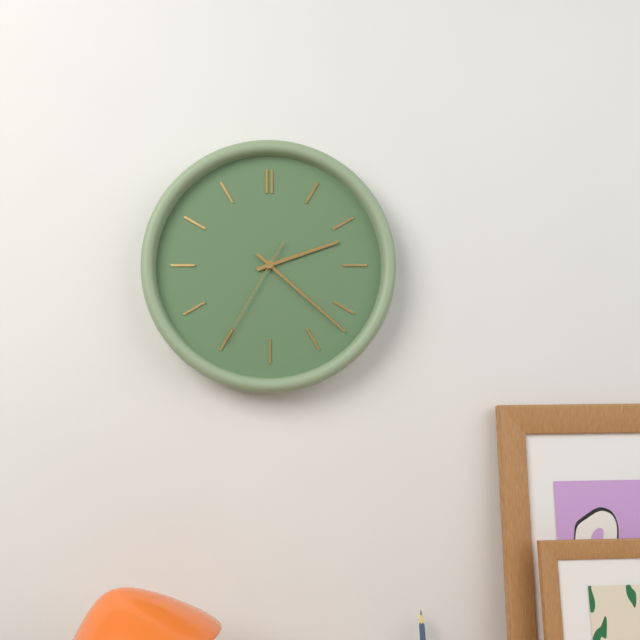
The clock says 2:22:35
